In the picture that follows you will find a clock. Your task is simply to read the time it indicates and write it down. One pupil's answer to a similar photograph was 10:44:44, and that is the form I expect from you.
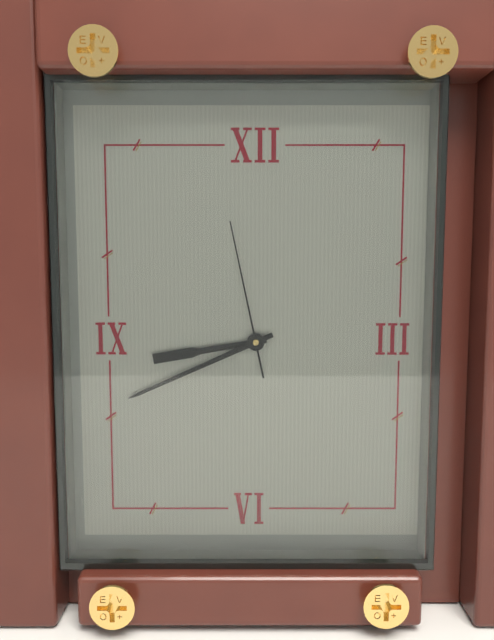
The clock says 8:41:58
